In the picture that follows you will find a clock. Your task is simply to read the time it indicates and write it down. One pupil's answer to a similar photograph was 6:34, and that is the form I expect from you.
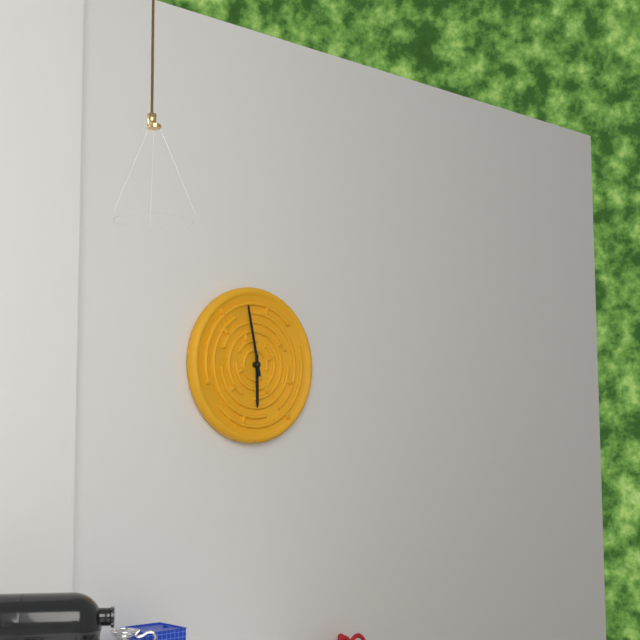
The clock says 5:58
